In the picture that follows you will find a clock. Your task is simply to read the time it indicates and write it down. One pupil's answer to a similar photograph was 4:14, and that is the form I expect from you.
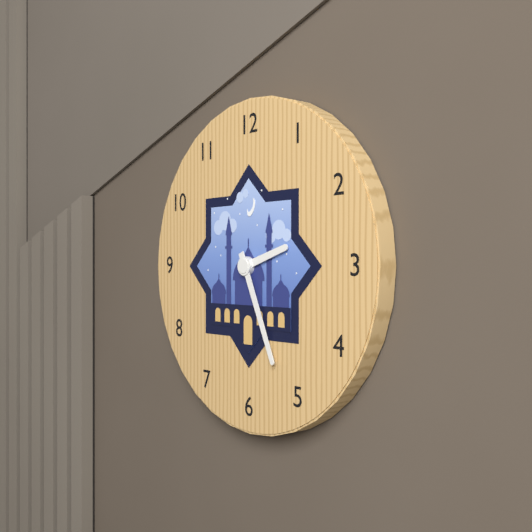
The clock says 2:26
